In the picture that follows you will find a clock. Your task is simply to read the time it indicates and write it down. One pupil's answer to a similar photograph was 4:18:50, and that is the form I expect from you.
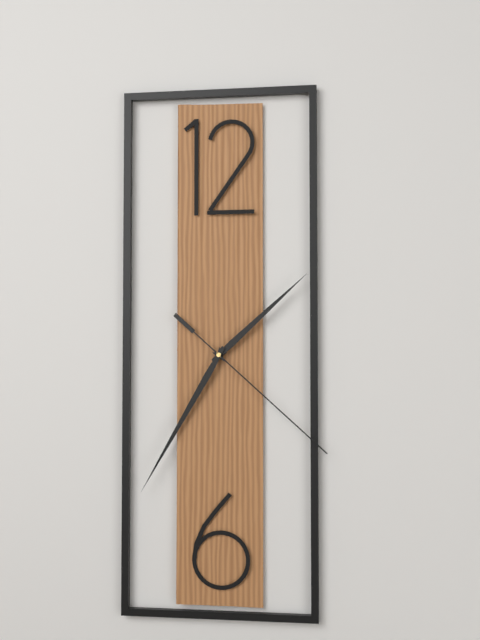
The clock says 1:35:22
